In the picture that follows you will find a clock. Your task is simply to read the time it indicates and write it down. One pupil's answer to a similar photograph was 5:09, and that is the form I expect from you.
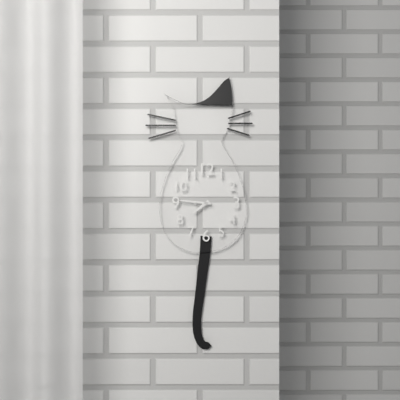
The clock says 7:46
